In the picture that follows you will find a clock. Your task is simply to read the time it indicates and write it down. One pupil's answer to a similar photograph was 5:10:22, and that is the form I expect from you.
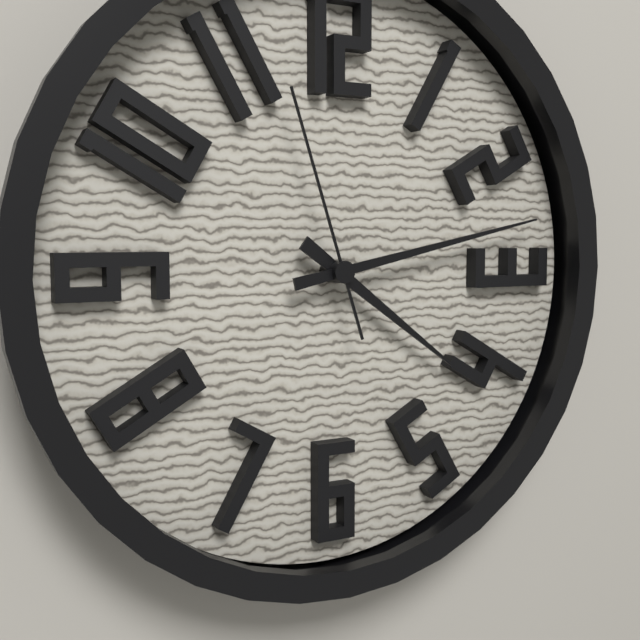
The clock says 4:13:57
